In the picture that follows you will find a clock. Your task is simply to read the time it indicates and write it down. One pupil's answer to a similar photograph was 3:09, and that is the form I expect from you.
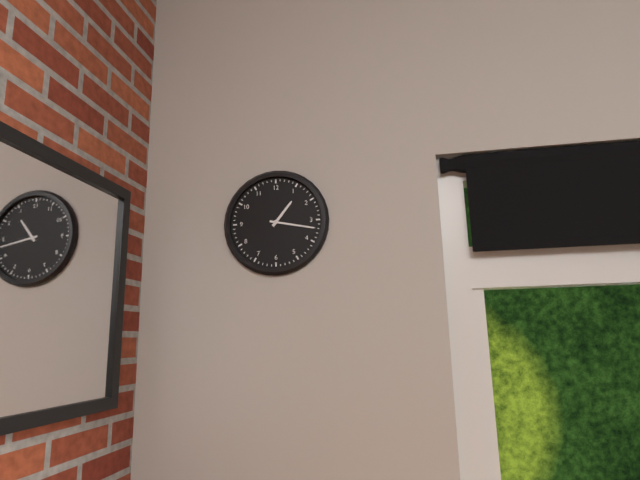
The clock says 1:17
